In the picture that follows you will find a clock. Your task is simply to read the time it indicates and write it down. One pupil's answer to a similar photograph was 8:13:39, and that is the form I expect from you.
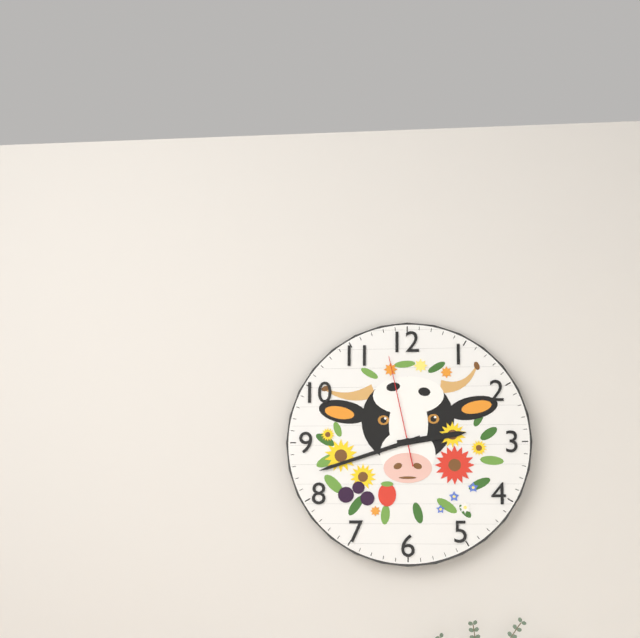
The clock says 2:42:58
